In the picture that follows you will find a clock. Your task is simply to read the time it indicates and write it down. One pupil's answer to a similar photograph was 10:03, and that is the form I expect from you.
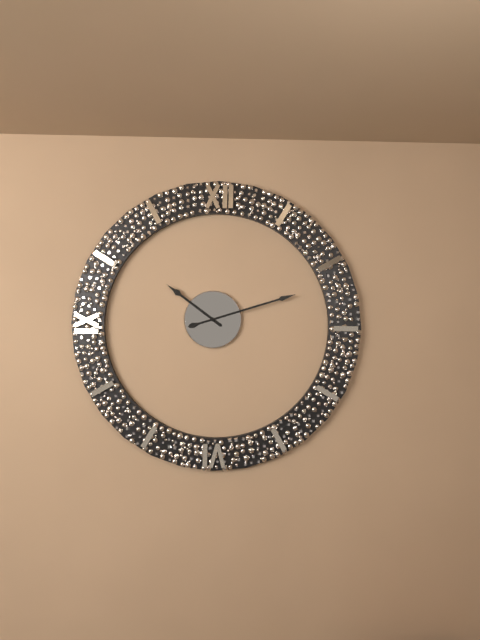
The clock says 10:12
